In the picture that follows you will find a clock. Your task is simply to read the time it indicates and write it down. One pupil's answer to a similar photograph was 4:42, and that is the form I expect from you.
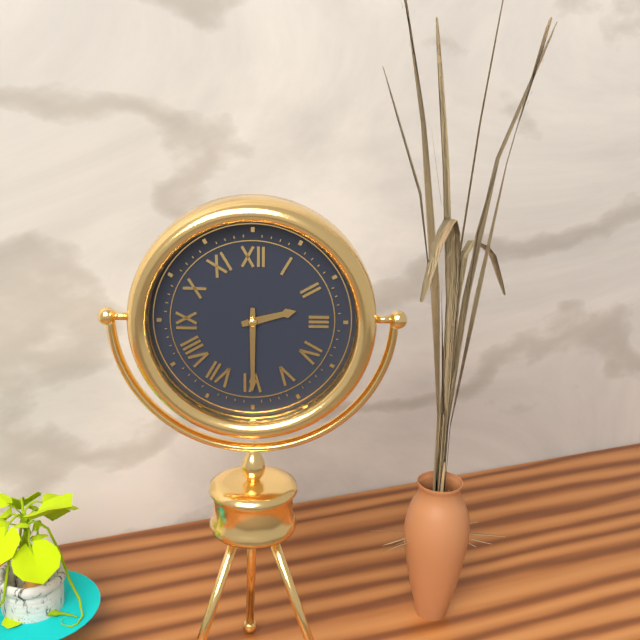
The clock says 2:30
